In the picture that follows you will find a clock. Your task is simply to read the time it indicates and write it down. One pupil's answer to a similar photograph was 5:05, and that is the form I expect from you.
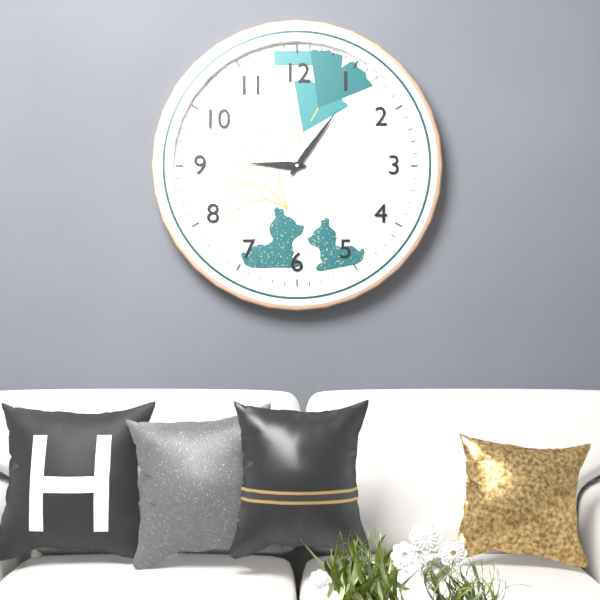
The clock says 9:06
